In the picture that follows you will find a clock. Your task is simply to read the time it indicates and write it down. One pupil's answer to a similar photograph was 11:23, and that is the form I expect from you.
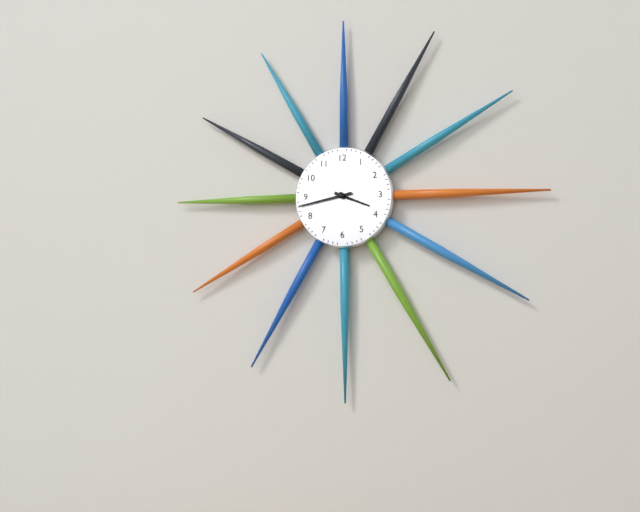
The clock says 3:43
